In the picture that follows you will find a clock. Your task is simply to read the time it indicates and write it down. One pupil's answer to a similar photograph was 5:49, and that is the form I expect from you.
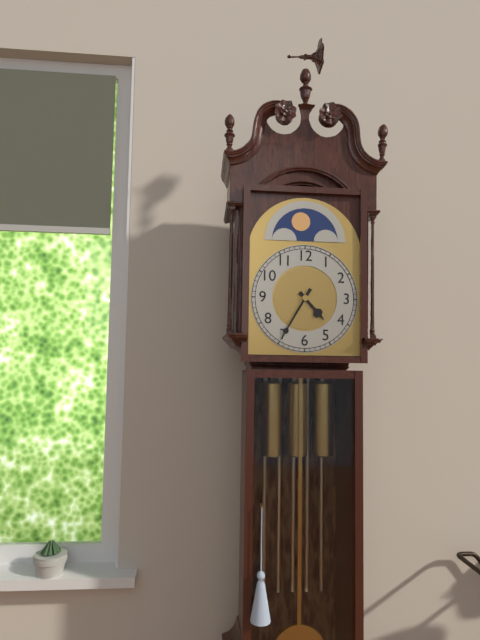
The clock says 4:35
